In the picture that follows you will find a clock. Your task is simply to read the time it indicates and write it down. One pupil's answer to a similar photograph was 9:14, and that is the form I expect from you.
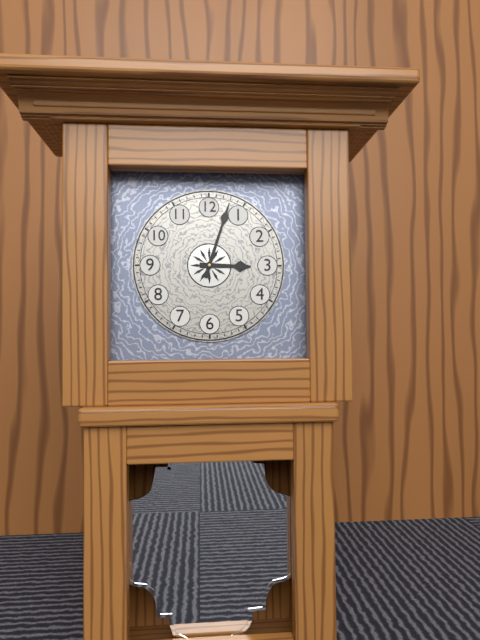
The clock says 3:03
